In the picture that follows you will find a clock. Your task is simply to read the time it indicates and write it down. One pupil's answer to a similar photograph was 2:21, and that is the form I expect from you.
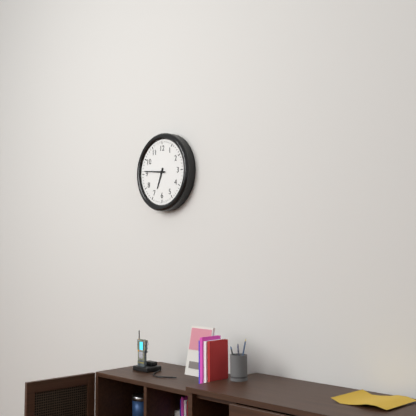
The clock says 6:46
